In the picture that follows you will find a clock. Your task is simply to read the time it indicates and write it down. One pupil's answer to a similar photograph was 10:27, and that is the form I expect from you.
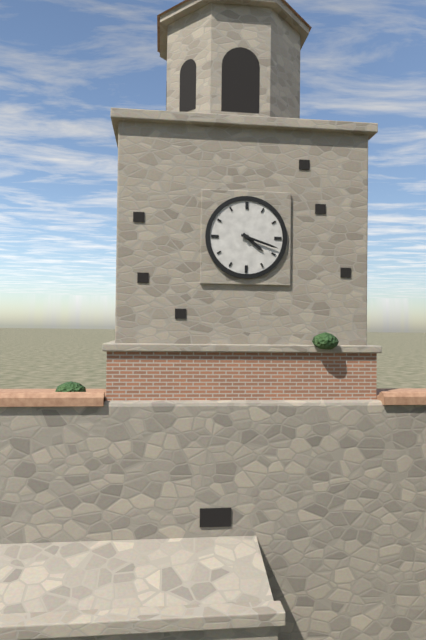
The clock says 4:18
